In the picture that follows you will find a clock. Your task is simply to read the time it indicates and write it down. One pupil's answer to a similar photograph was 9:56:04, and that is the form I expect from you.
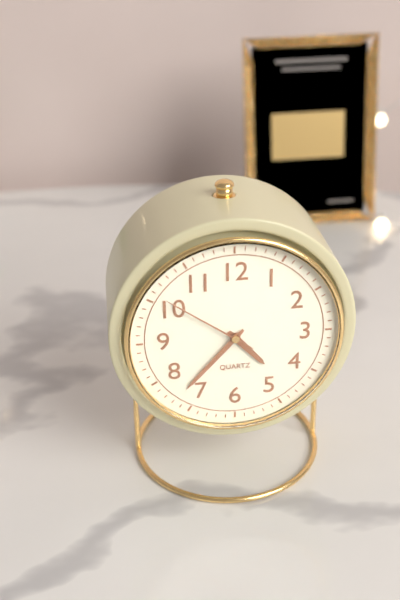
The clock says 4:37:51
